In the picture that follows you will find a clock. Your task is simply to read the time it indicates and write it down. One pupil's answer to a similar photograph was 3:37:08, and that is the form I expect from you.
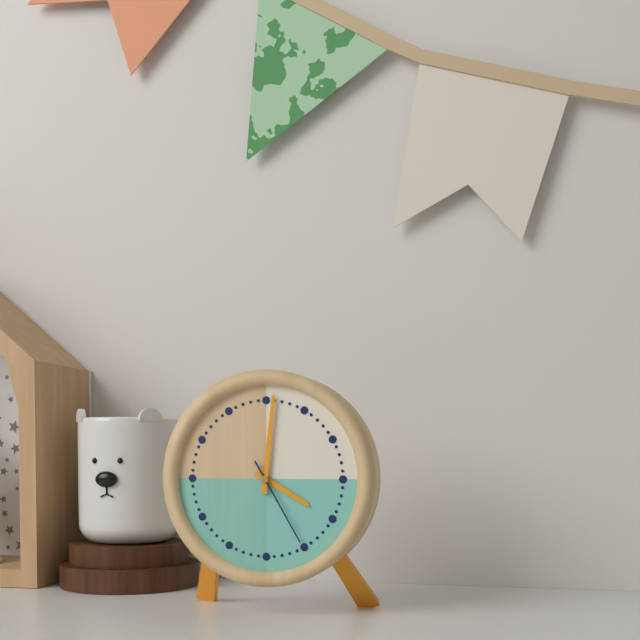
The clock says 4:01:25
